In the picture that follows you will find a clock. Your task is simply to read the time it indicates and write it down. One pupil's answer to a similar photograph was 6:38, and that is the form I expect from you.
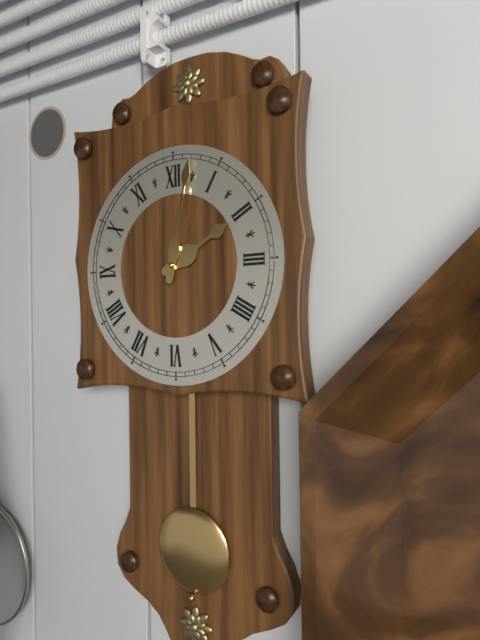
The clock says 2:02
